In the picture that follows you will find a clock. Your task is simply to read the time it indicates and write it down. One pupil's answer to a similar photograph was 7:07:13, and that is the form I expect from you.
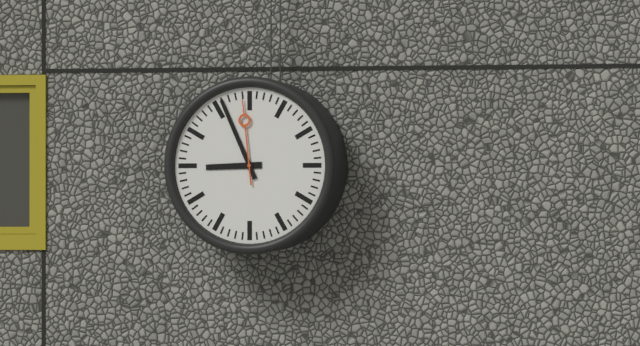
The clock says 8:56:59
